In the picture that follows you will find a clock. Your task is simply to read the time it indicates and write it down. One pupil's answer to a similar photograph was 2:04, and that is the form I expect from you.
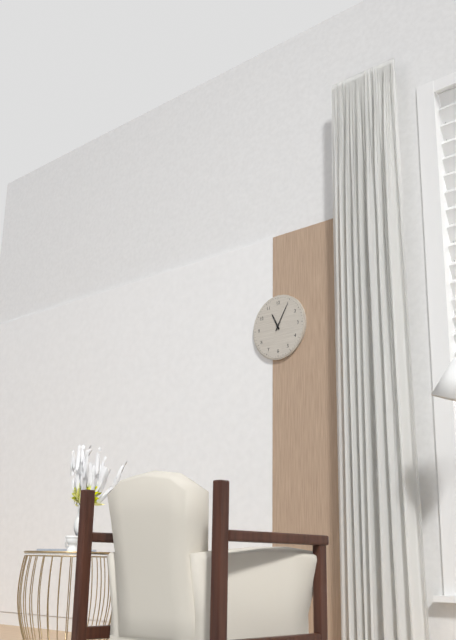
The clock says 11:05
